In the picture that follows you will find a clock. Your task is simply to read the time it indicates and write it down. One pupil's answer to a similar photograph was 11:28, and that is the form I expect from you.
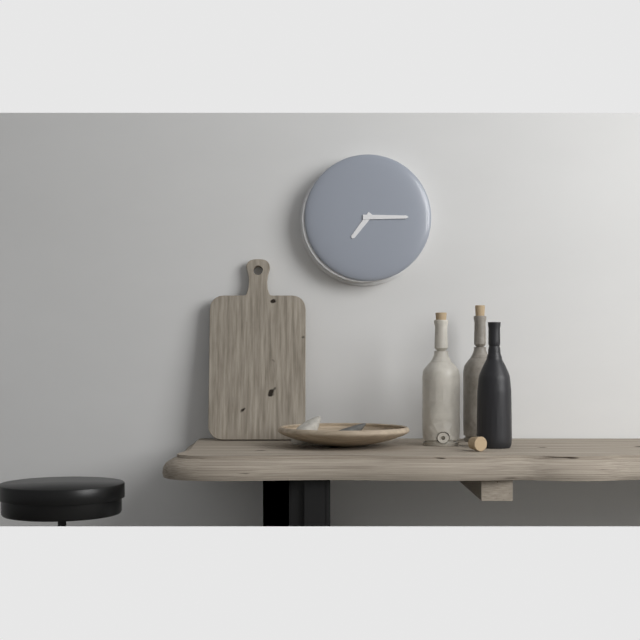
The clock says 7:15
